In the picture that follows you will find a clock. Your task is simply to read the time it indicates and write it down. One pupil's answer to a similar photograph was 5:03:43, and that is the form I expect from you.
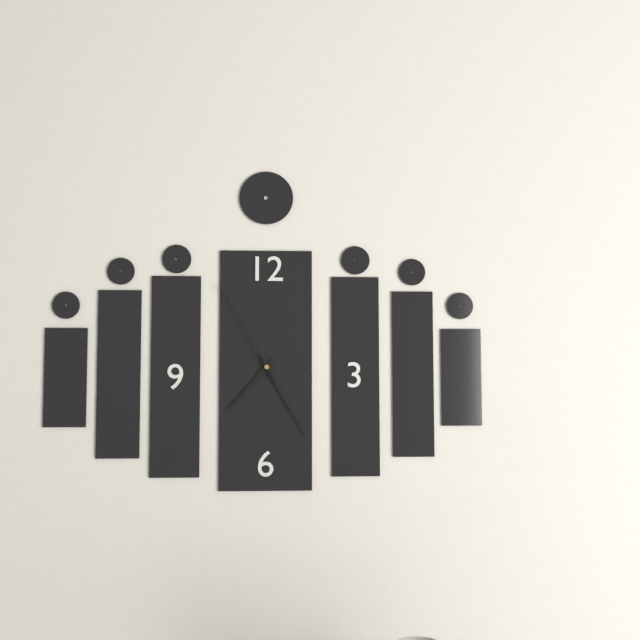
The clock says 7:25:55
